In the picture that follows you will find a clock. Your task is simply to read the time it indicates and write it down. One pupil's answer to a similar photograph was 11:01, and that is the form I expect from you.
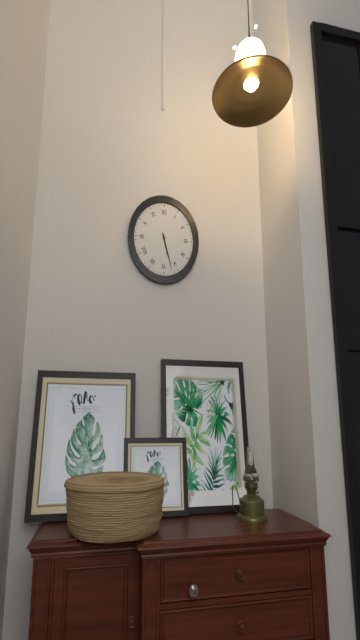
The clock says 5:27
